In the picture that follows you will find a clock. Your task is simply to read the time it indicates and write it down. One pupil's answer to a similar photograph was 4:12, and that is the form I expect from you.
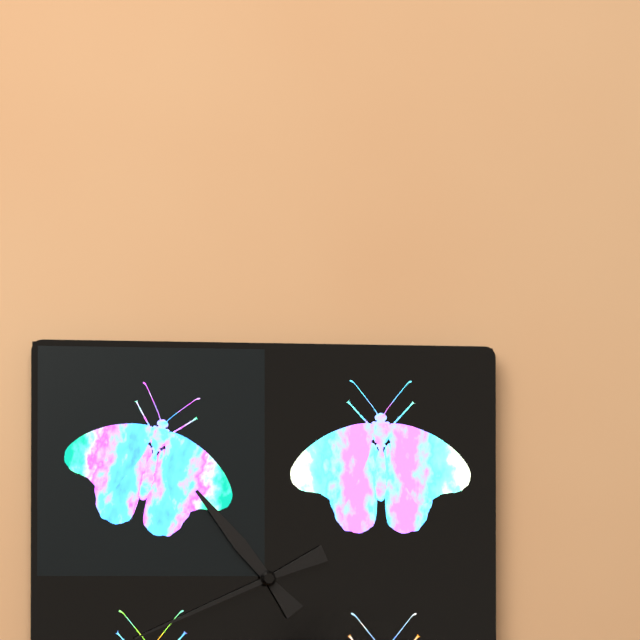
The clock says 10:41
